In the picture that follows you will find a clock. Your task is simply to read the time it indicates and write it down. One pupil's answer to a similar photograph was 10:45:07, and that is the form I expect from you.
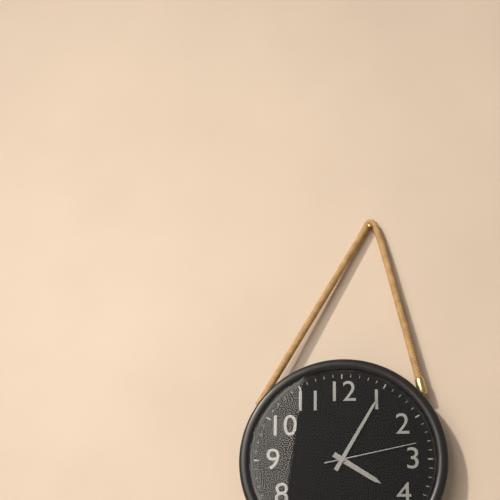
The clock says 4:05:13
